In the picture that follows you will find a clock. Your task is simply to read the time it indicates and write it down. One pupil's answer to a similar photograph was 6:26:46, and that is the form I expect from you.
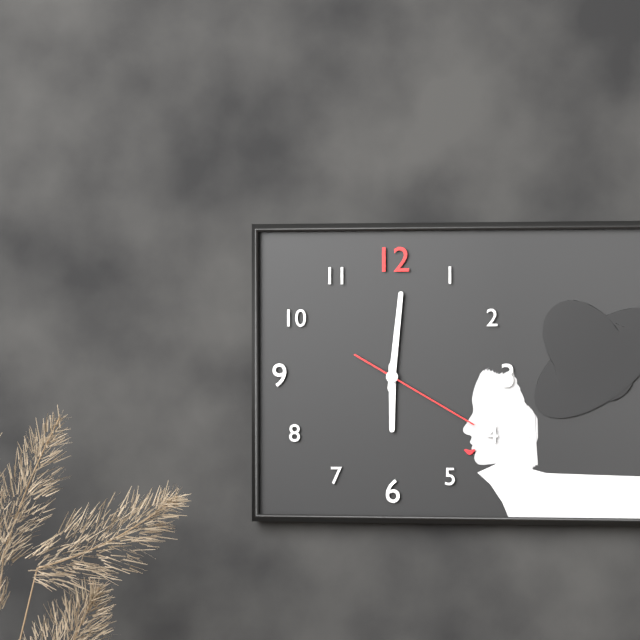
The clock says 6:01:20
